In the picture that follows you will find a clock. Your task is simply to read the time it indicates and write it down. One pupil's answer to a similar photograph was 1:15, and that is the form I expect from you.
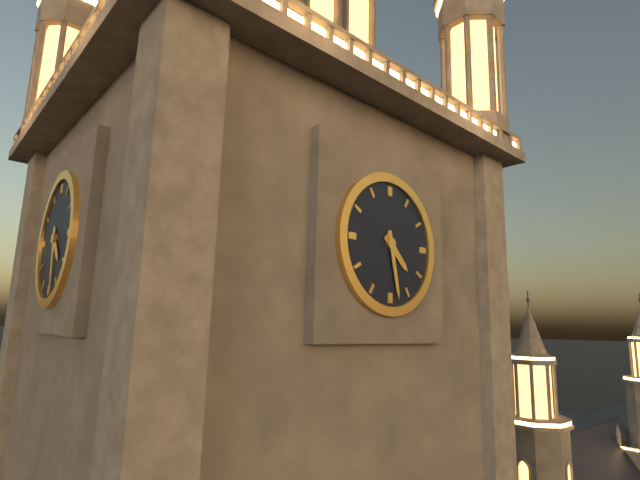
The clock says 4:28
